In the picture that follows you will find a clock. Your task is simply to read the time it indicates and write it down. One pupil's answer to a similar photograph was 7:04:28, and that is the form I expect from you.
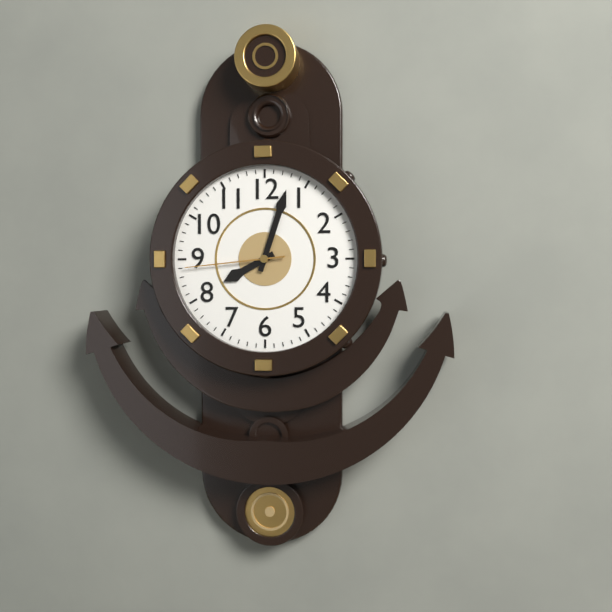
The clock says 8:03:44
